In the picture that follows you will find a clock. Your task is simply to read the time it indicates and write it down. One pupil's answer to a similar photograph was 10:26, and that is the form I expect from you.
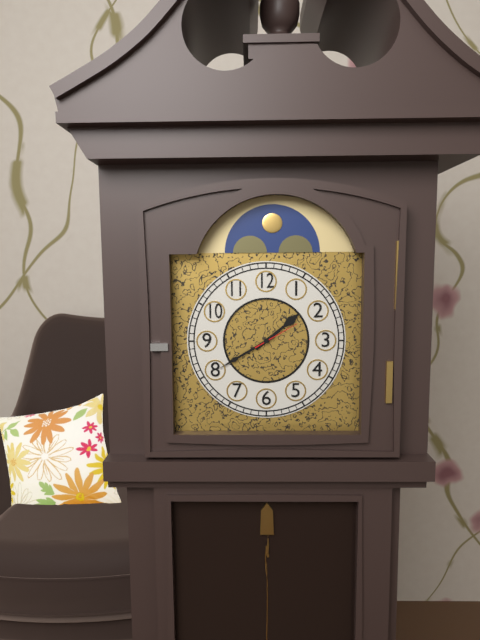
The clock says 1:40
